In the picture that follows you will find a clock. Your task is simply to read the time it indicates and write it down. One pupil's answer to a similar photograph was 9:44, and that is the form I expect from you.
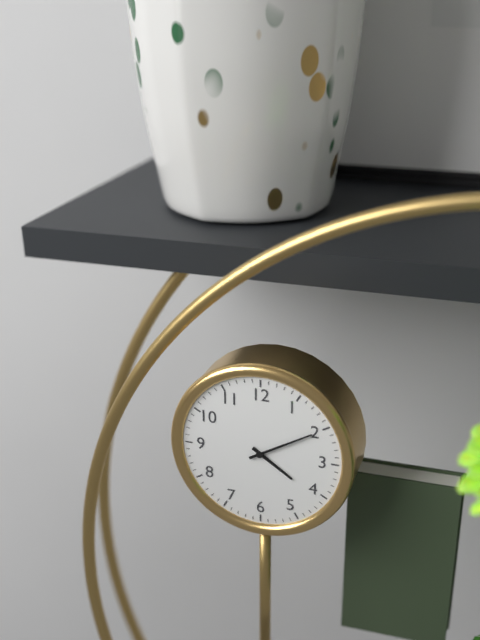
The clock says 4:10
